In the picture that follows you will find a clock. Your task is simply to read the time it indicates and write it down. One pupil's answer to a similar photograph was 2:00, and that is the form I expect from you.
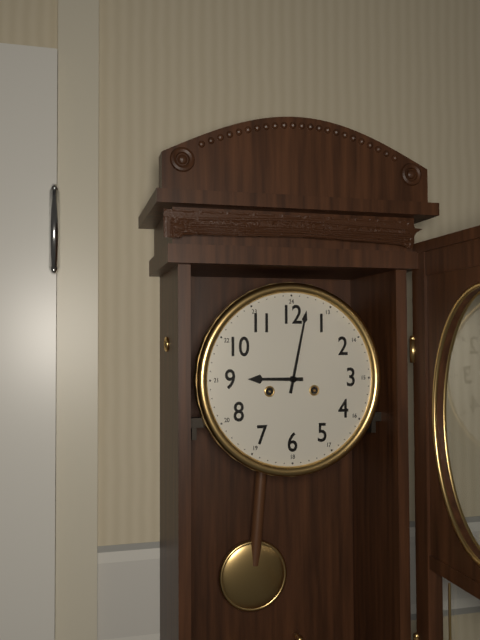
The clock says 9:02
